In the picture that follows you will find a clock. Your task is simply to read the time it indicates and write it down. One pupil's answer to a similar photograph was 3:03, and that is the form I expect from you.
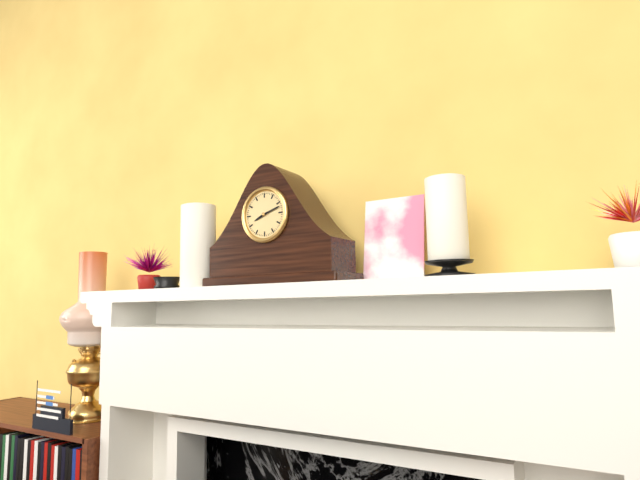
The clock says 8:12
